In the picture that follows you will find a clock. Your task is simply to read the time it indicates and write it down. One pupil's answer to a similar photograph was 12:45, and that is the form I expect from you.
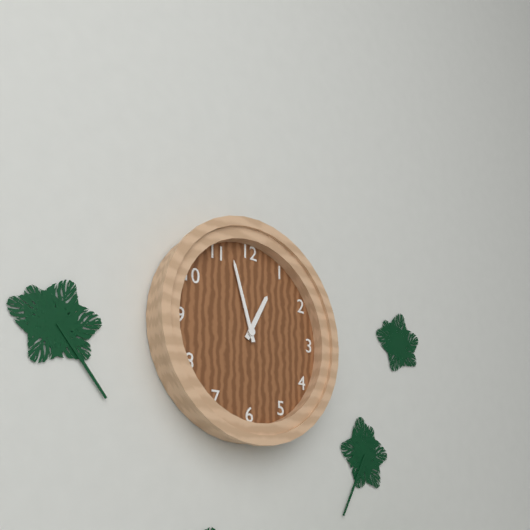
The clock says 12:57
